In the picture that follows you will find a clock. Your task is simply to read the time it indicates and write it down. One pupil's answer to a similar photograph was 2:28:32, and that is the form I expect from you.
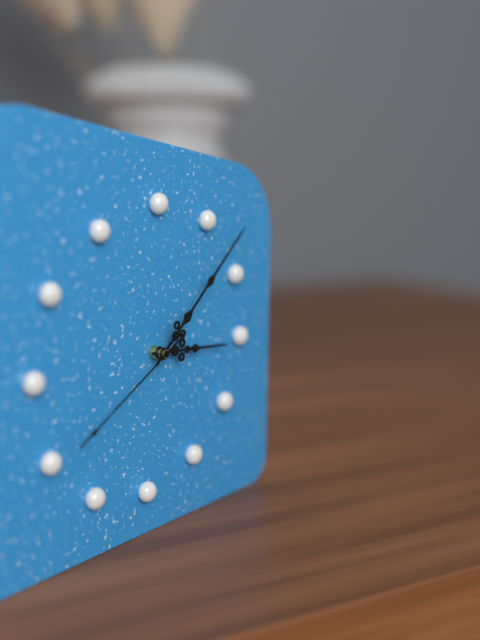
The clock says 3:08:40
